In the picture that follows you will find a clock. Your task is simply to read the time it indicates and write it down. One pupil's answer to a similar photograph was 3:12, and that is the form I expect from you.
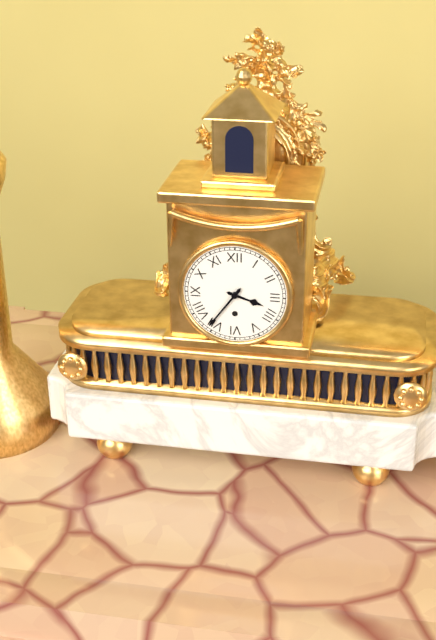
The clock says 3:36
